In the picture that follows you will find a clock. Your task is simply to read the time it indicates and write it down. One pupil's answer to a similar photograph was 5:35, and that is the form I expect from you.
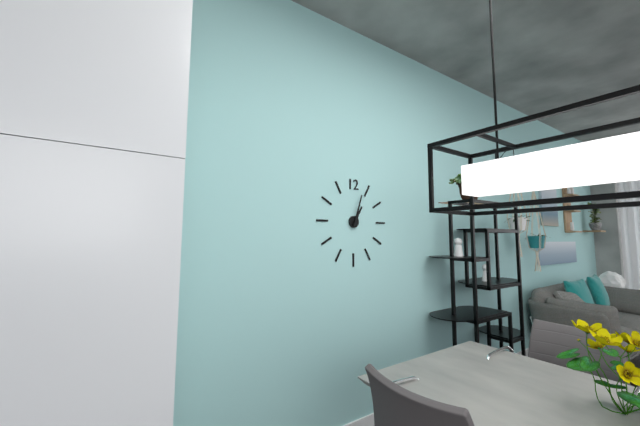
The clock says 1:03
